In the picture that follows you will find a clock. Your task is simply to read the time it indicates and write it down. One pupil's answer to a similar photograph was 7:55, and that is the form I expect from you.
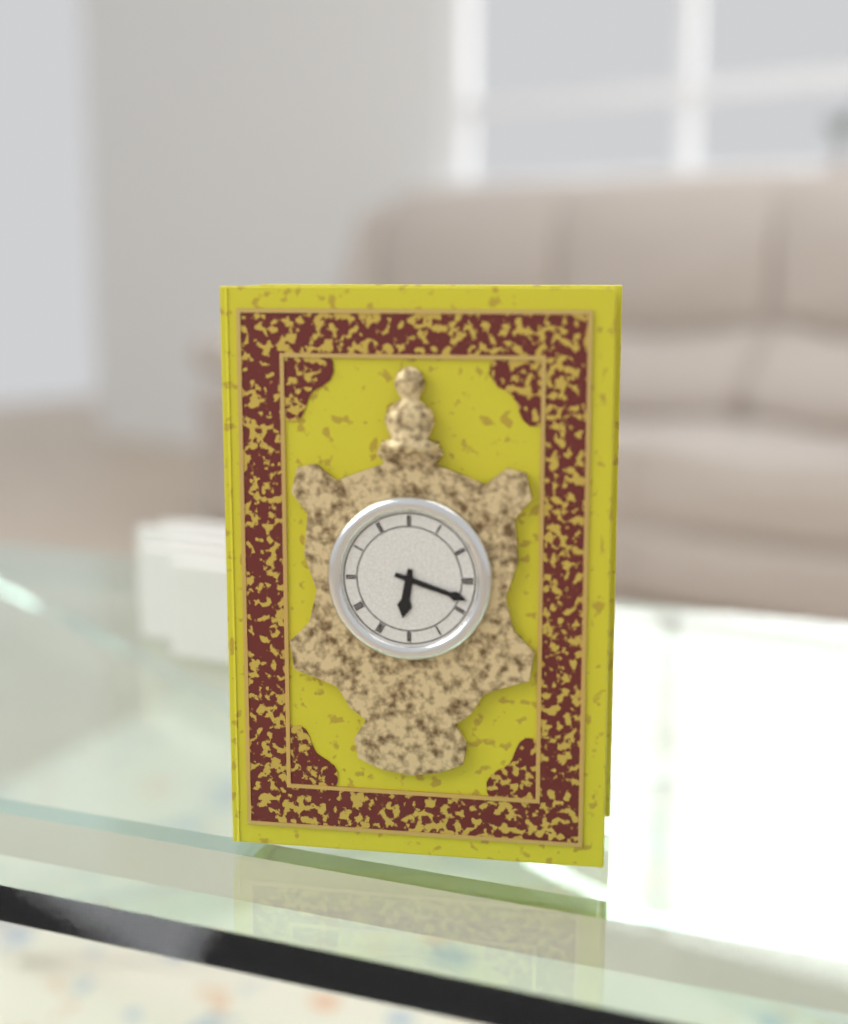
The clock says 6:18
